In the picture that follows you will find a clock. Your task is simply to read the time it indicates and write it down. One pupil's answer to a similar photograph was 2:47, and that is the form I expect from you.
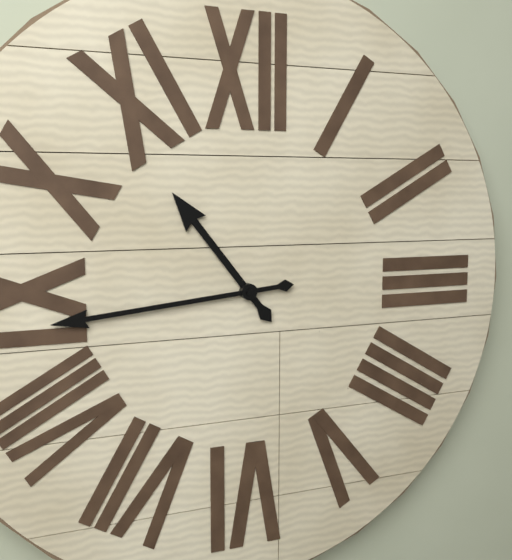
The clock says 10:44
